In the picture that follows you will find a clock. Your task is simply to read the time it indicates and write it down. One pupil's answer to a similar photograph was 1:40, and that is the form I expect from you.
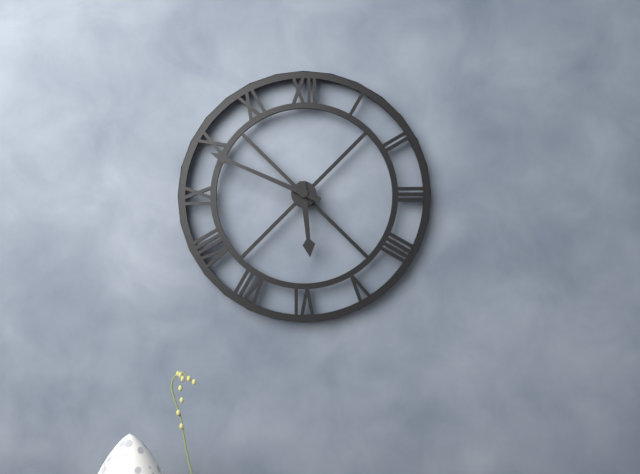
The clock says 5:49
